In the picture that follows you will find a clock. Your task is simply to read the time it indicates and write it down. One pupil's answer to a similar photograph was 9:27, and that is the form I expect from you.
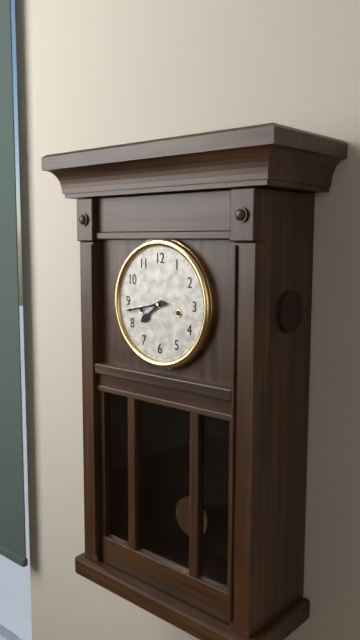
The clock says 7:43
